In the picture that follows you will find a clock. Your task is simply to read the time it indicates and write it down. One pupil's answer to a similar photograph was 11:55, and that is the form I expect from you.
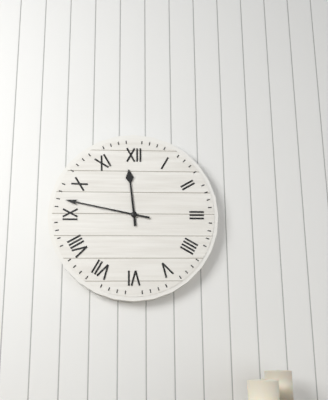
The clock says 11:47
